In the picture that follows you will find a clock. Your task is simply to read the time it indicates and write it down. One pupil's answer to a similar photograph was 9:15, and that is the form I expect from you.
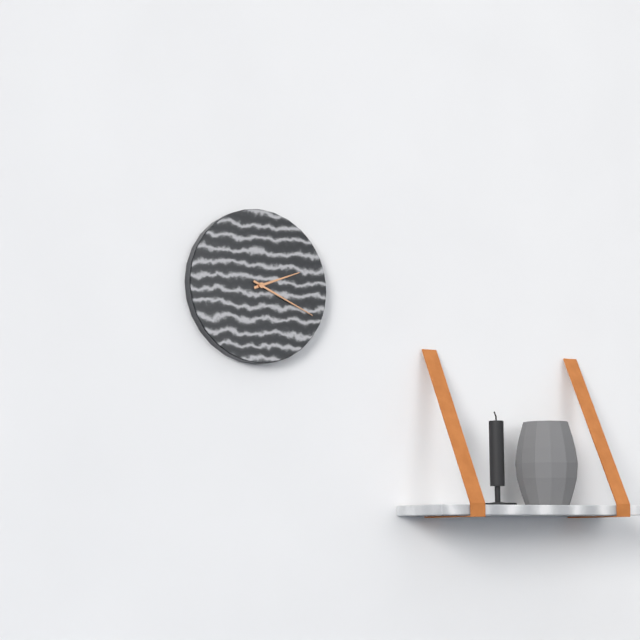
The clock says 2:19
